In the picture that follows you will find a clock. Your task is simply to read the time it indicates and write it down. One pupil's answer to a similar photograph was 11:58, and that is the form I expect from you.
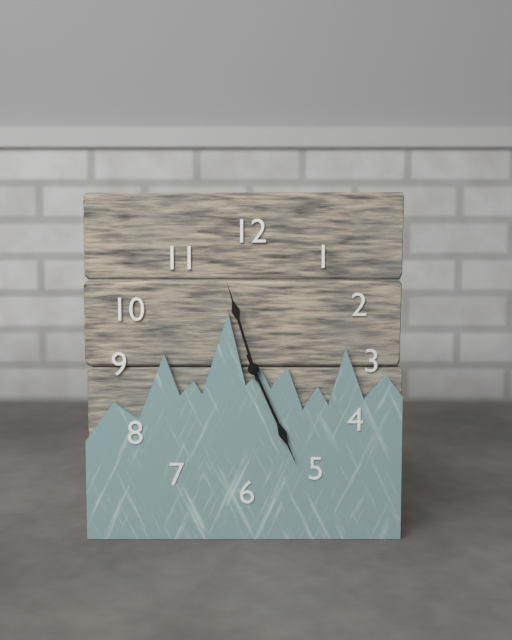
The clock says 11:26
